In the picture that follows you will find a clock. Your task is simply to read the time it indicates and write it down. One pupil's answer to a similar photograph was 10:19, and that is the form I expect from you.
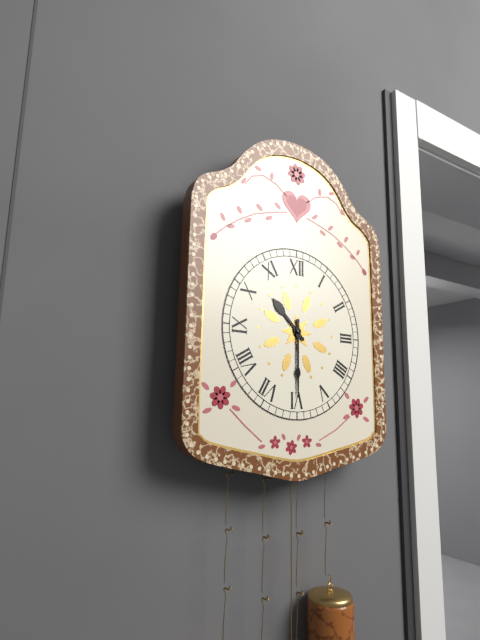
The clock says 10:30
